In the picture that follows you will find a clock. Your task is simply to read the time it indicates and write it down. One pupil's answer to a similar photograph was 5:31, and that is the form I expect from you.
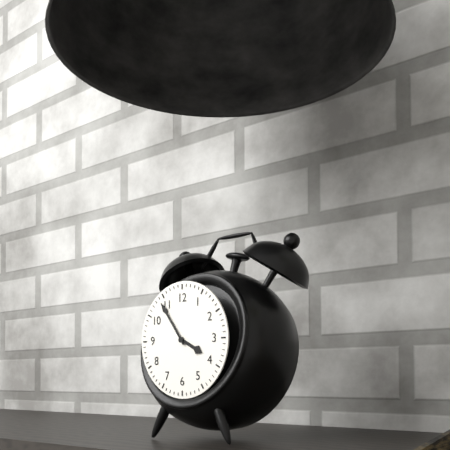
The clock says 3:54
